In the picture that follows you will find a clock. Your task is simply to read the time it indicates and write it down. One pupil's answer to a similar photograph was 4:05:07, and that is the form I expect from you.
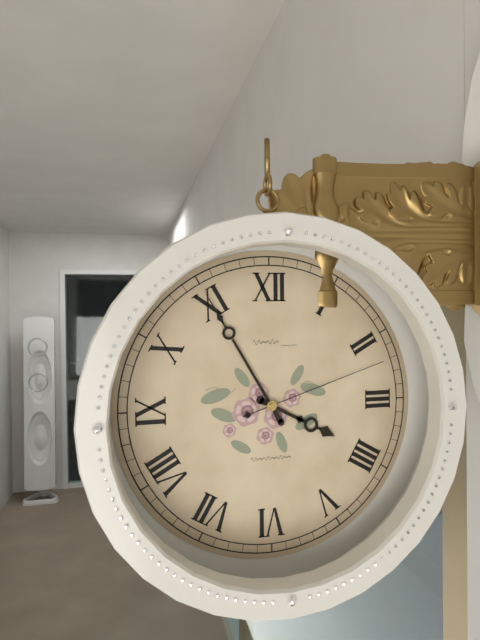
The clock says 3:55:12
